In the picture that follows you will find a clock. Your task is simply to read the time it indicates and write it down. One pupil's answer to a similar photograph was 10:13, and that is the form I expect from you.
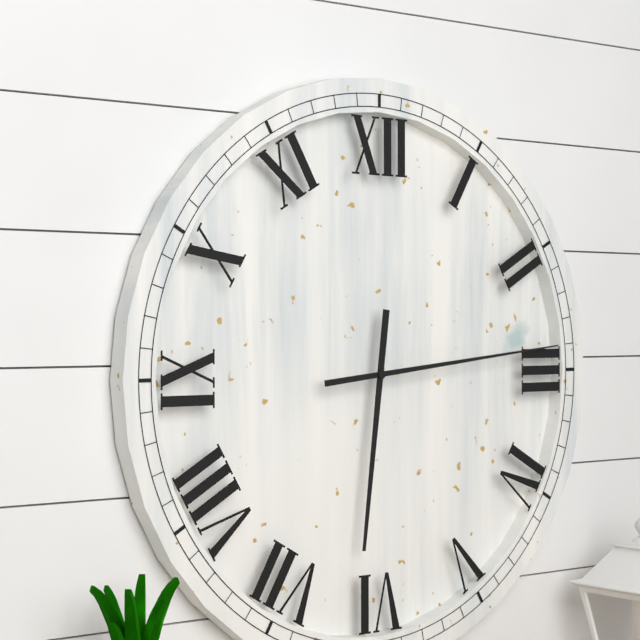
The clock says 6:14
